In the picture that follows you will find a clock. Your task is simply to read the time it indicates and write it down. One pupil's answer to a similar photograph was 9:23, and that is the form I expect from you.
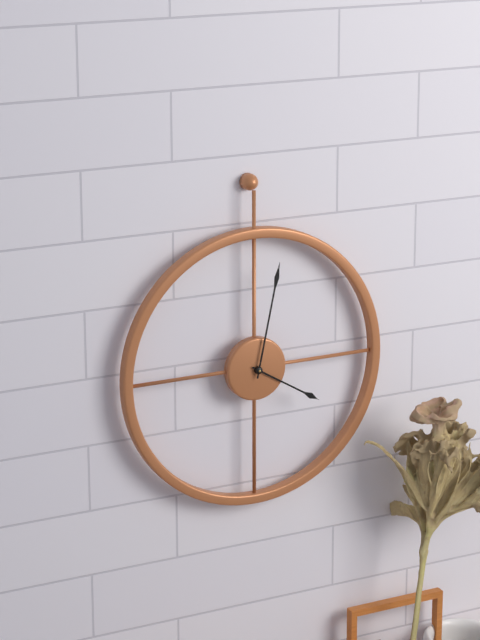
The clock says 4:02
